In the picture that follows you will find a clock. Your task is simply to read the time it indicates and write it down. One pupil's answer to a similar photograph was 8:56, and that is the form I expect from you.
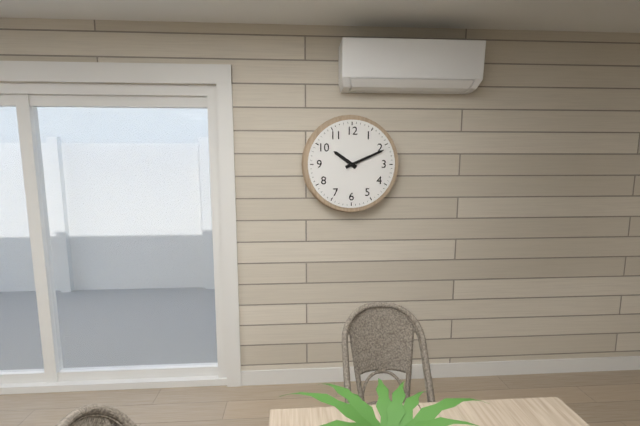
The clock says 10:11
